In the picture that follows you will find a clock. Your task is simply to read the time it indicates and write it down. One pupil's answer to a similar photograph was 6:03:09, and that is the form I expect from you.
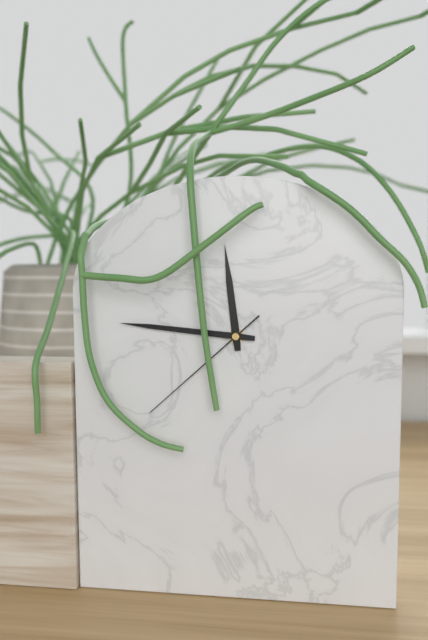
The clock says 11:46:38
